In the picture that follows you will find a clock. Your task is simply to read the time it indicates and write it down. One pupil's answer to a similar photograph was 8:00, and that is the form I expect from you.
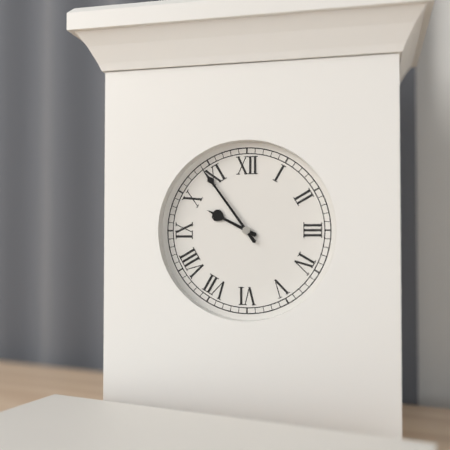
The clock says 9:54
